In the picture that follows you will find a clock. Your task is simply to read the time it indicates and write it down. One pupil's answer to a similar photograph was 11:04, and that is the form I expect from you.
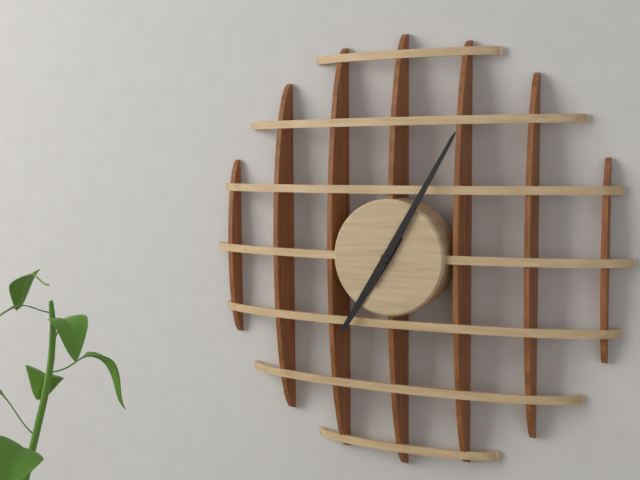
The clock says 7:05
